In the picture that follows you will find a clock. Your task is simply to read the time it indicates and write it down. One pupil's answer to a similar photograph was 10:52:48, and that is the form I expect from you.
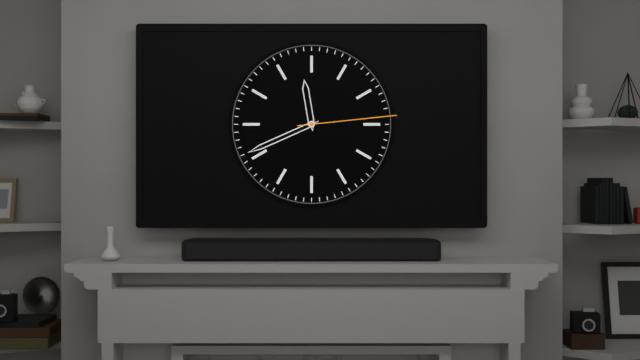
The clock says 11:41:14
